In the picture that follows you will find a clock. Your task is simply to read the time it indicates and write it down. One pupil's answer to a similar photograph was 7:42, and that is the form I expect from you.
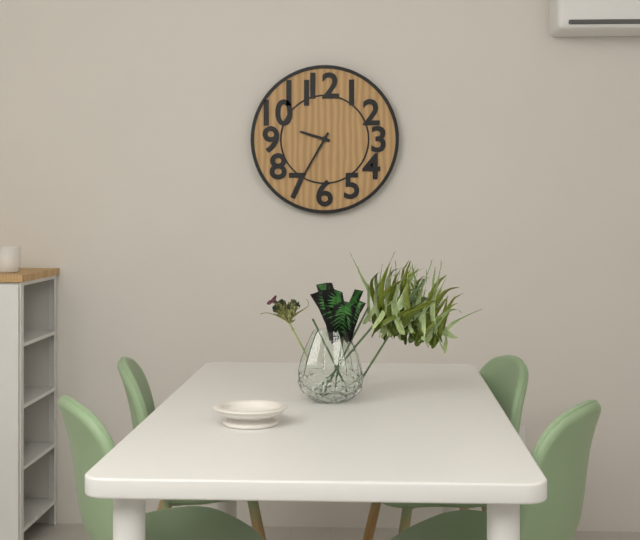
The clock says 9:35
